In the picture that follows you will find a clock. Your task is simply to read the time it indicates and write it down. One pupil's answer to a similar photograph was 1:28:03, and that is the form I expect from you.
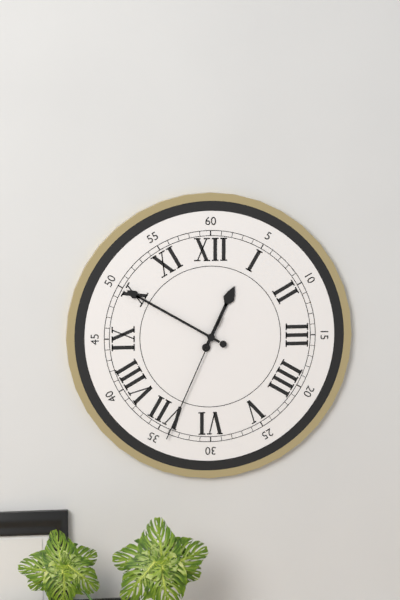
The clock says 12:50:34
